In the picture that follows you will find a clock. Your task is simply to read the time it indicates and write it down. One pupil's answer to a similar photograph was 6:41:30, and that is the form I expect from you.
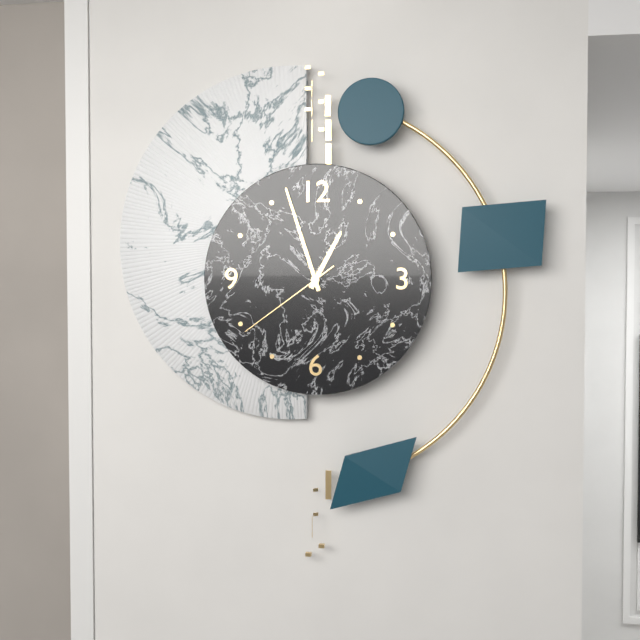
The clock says 12:57:39
